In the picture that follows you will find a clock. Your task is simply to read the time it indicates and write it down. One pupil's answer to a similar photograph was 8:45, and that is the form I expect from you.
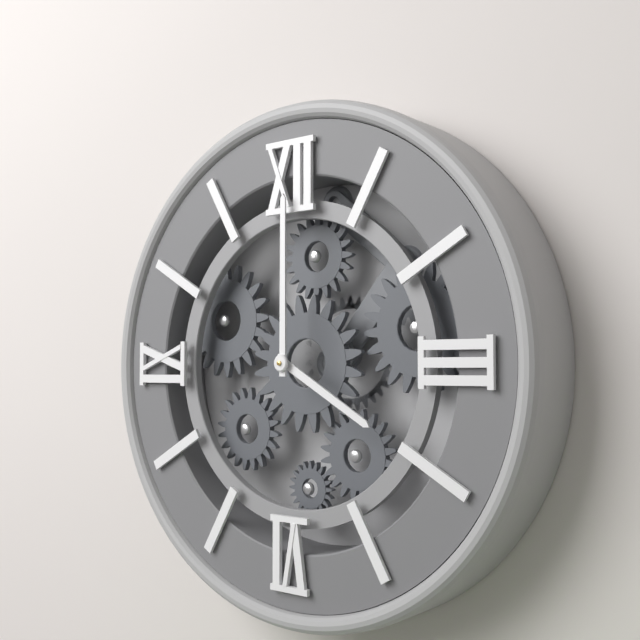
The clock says 4:00
